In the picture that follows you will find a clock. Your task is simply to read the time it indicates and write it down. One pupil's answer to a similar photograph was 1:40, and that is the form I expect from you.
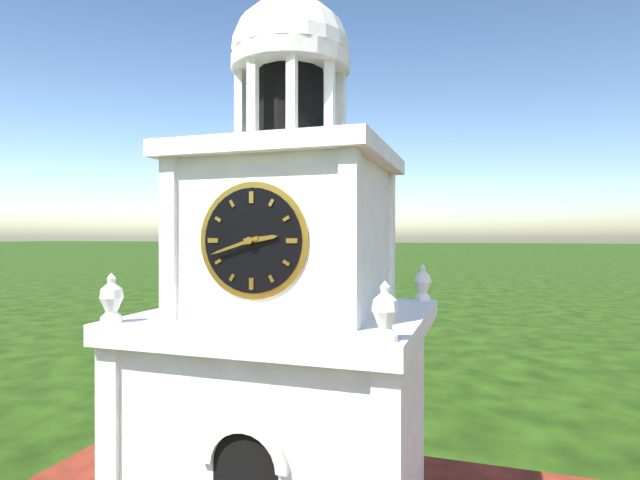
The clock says 2:42
